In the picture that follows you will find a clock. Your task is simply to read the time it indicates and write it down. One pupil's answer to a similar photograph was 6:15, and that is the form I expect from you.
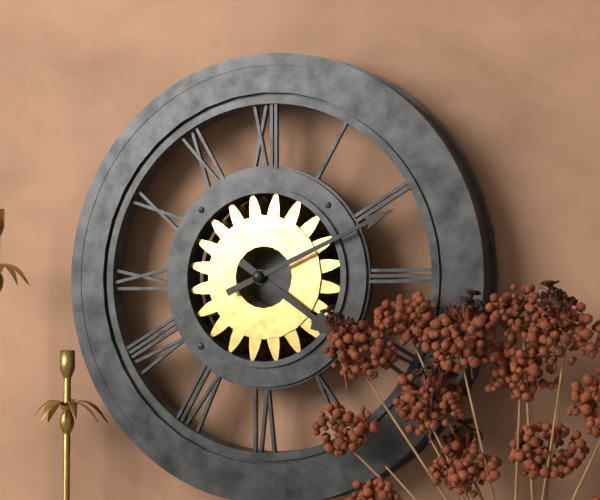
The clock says 4:11
